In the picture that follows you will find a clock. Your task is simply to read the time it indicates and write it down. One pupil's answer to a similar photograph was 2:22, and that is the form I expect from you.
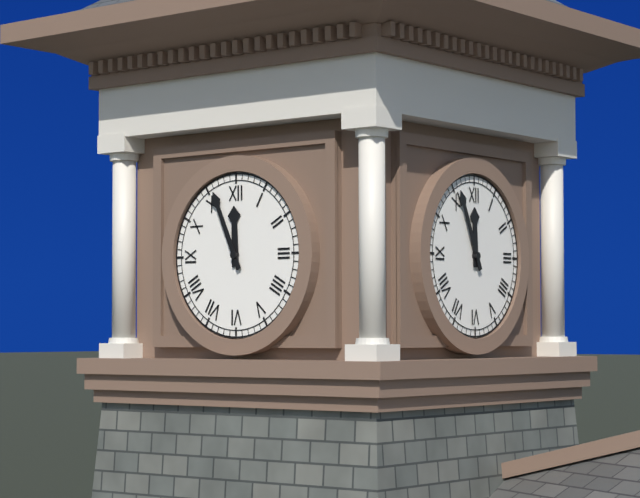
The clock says 11:56
